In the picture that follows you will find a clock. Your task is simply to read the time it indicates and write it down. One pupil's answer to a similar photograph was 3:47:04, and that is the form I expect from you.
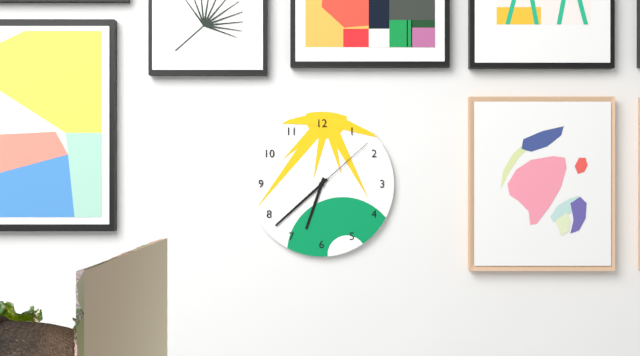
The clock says 6:38:08
